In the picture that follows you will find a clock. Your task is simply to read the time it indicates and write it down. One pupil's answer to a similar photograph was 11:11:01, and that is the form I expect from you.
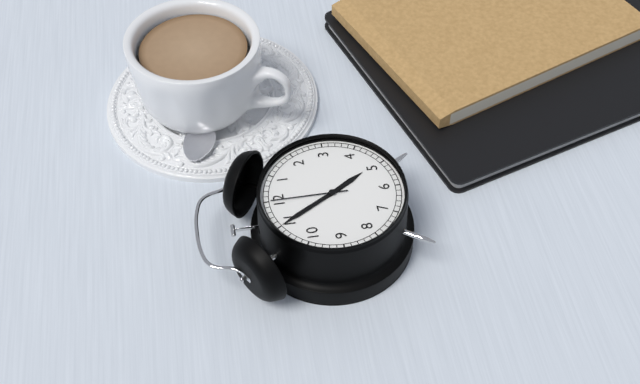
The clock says 4:55:00
